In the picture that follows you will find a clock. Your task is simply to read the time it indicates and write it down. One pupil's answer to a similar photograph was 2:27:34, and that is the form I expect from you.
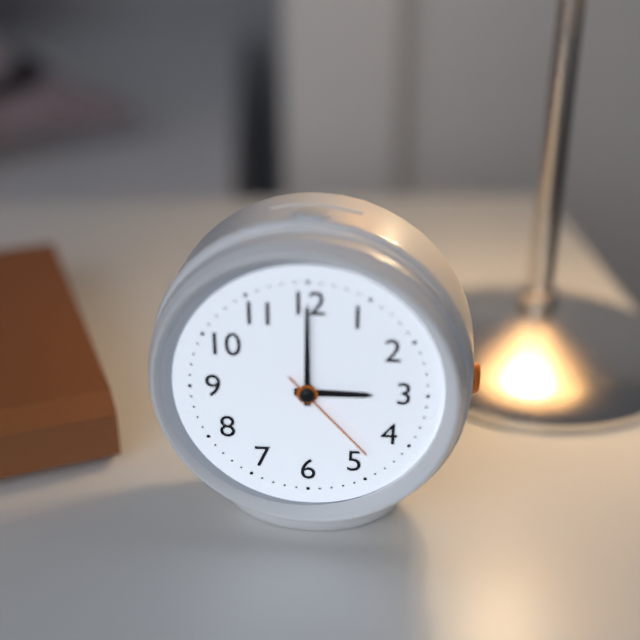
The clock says 3:00:23
